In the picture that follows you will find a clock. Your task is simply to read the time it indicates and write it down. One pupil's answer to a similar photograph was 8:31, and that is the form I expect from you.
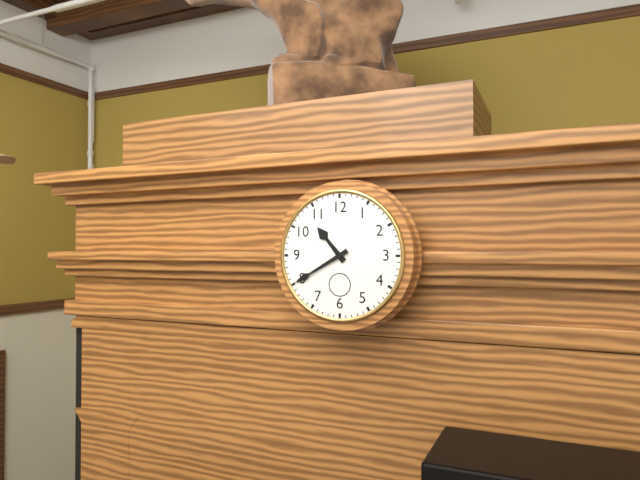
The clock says 10:40
